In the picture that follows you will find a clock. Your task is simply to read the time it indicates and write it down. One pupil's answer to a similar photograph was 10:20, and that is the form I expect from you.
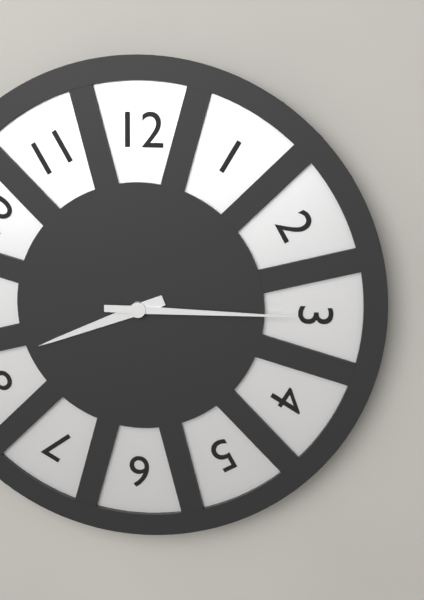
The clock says 8:15
